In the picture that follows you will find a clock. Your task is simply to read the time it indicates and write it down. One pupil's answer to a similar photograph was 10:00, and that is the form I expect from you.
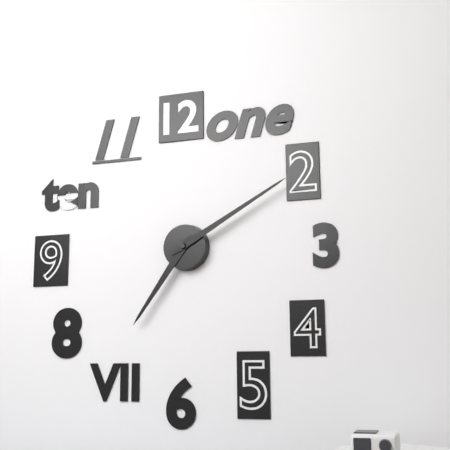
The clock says 7:10
